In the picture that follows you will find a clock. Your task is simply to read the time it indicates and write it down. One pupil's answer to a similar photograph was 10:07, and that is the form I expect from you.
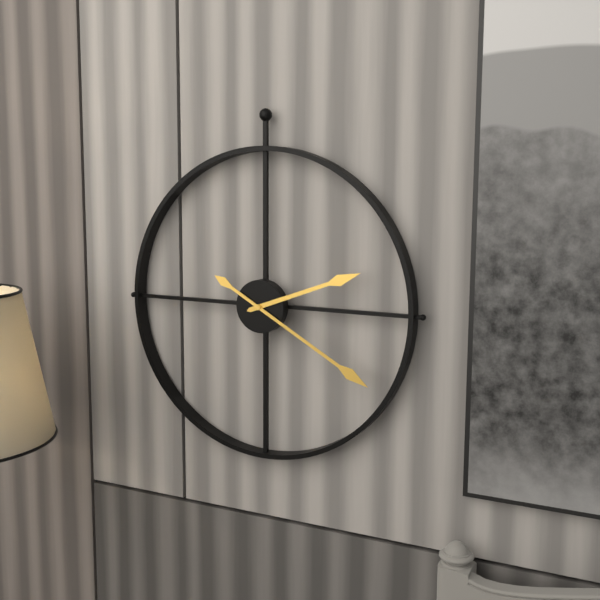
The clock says 2:20
